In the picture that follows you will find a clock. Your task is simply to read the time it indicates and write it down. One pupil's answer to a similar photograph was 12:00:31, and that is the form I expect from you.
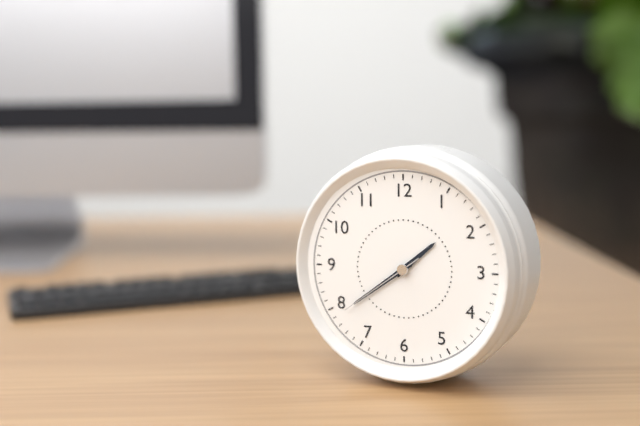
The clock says 1:39:39
